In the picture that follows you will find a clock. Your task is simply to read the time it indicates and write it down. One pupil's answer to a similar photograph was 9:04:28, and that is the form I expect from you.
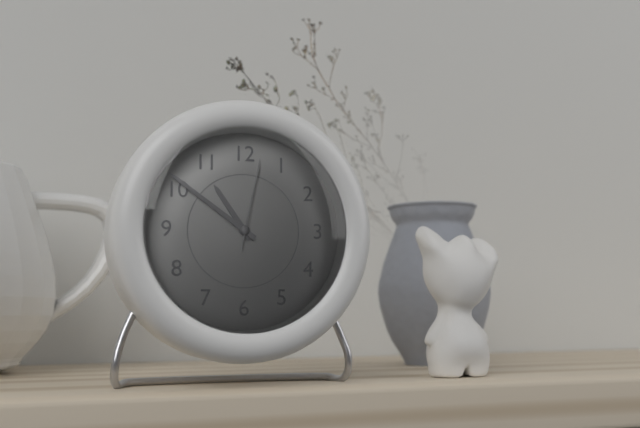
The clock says 10:51:02
